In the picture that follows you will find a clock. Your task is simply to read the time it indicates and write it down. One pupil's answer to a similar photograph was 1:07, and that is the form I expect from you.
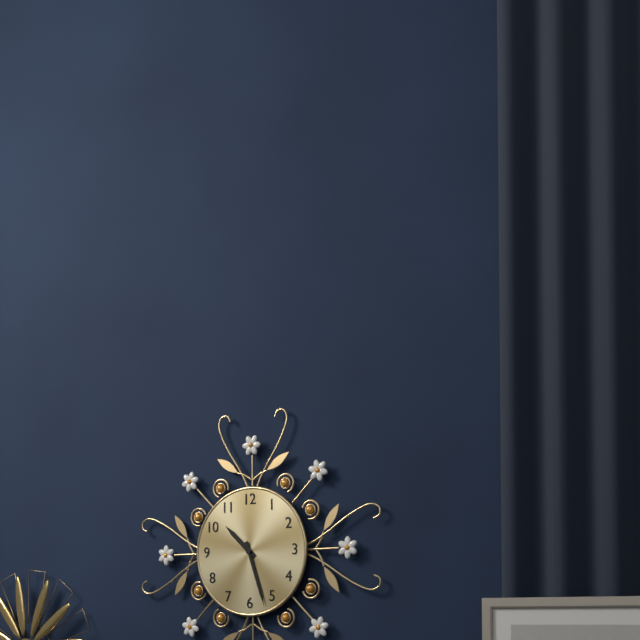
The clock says 10:27
